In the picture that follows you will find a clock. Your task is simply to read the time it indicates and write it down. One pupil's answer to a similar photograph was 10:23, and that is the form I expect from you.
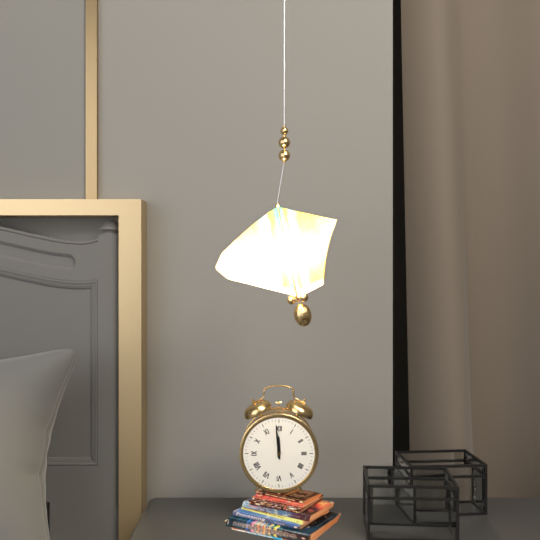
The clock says 11:59
